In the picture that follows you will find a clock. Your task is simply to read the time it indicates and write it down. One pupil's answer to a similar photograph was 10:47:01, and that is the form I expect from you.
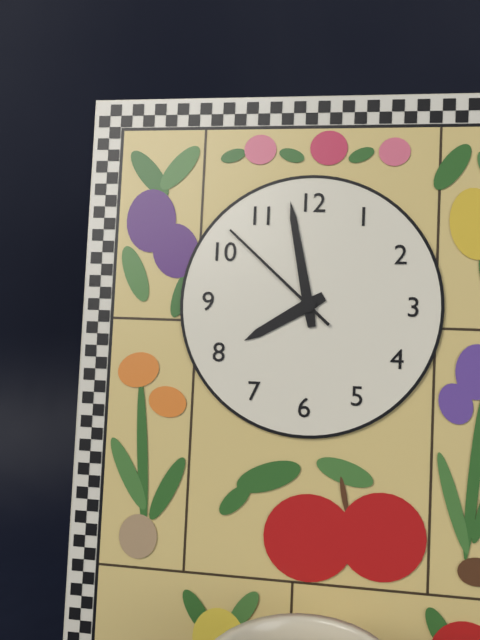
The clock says 7:58:52
